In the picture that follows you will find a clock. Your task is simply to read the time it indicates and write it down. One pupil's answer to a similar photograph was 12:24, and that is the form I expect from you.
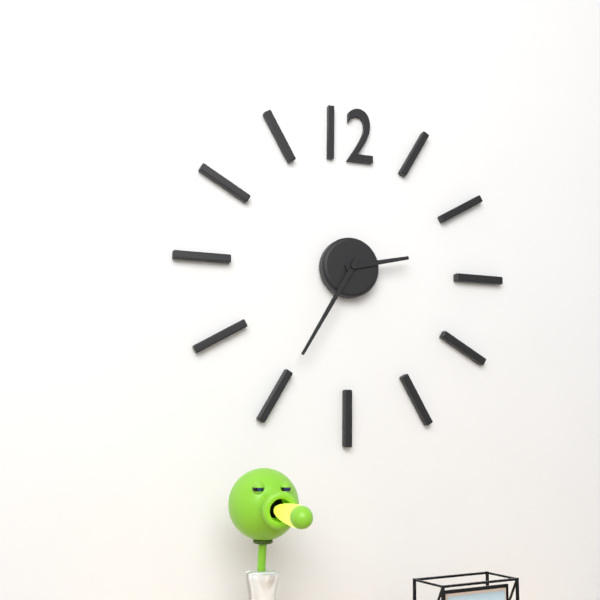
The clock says 2:35
